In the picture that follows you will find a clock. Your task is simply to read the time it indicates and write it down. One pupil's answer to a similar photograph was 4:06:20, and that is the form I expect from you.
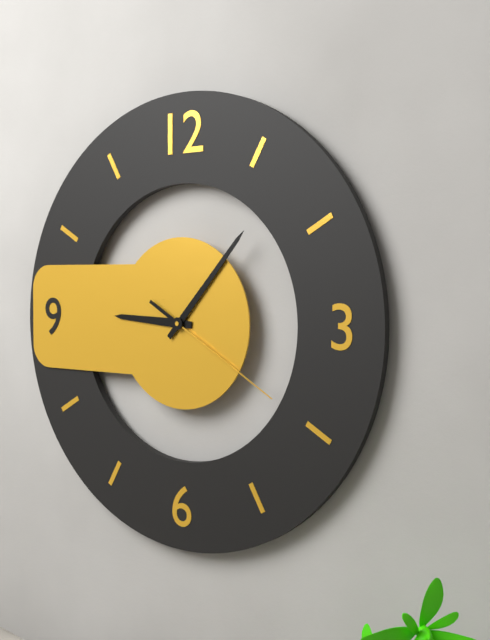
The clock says 9:07:20
